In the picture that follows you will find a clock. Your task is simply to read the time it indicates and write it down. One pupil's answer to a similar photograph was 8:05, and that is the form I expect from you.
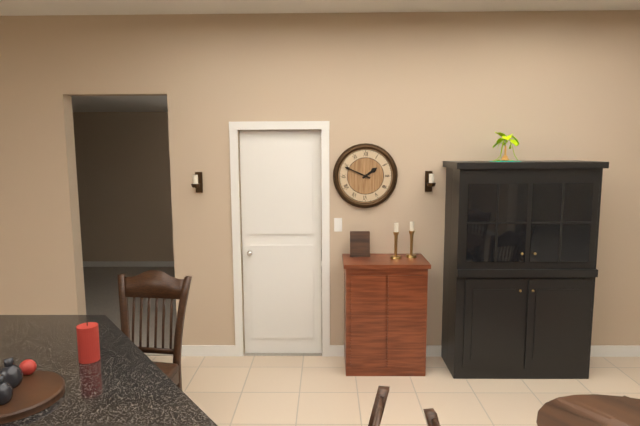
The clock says 1:49
